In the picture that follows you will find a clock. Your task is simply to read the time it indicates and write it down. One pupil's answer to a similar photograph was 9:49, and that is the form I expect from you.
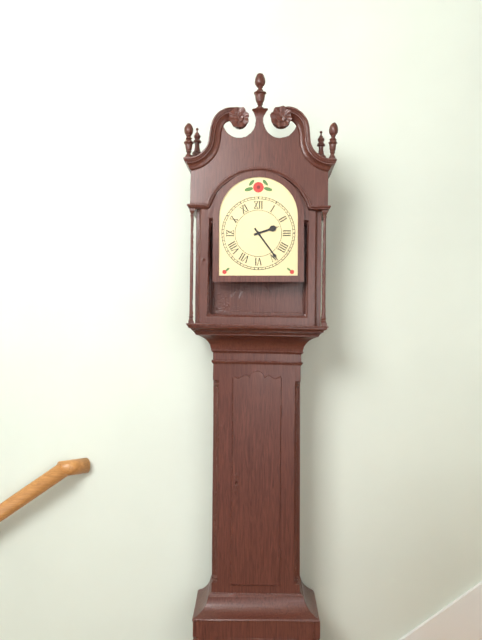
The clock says 2:24
